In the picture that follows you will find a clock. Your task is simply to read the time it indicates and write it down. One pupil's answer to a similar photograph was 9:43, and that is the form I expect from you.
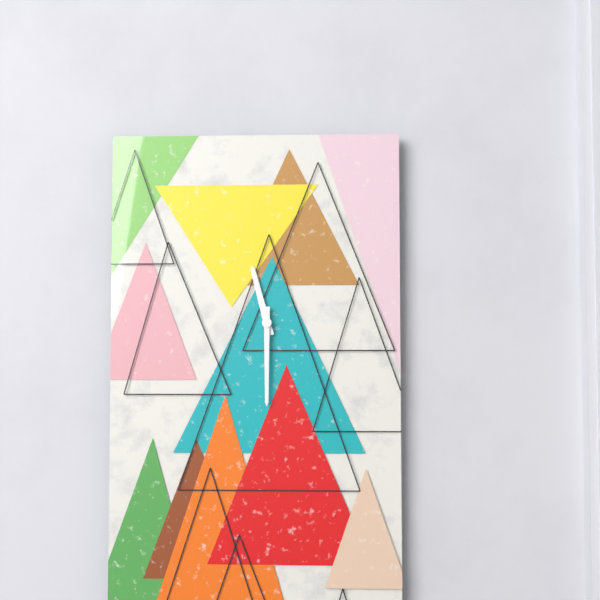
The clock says 11:30
